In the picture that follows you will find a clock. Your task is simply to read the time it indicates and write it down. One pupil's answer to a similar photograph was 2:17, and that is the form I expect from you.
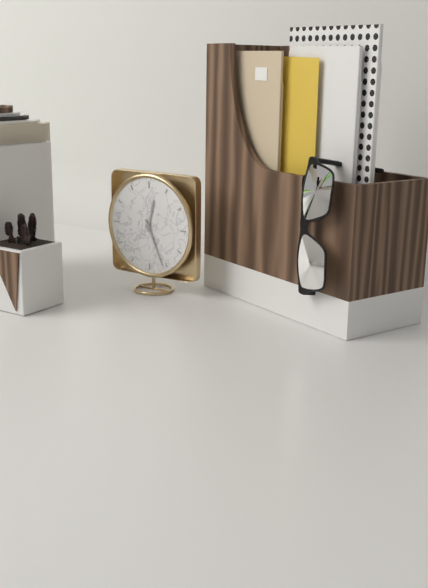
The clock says 12:26
